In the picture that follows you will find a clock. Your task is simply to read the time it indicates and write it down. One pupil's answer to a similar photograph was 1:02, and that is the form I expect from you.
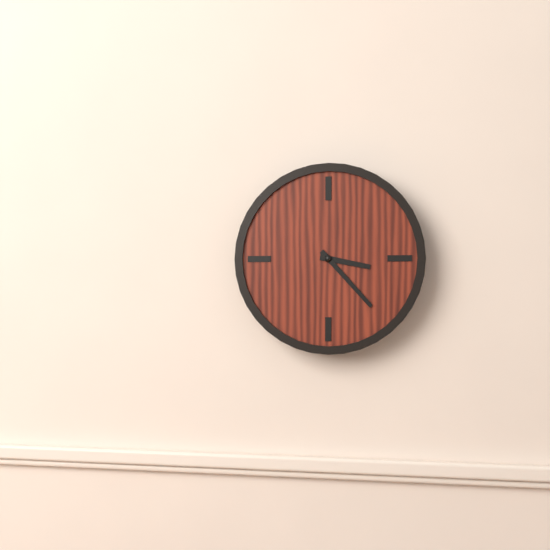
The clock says 3:23
